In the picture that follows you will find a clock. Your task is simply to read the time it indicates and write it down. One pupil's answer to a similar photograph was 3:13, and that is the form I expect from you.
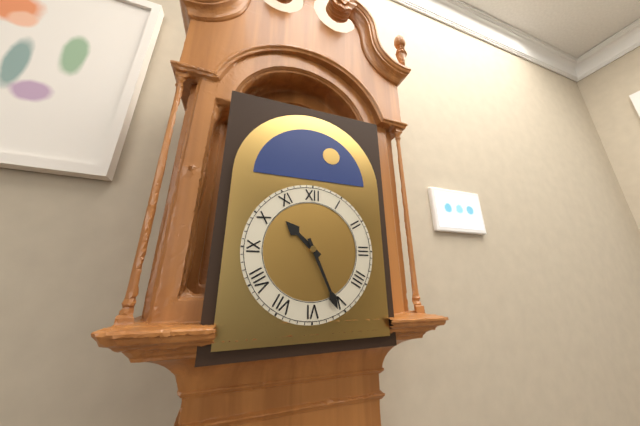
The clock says 10:26
